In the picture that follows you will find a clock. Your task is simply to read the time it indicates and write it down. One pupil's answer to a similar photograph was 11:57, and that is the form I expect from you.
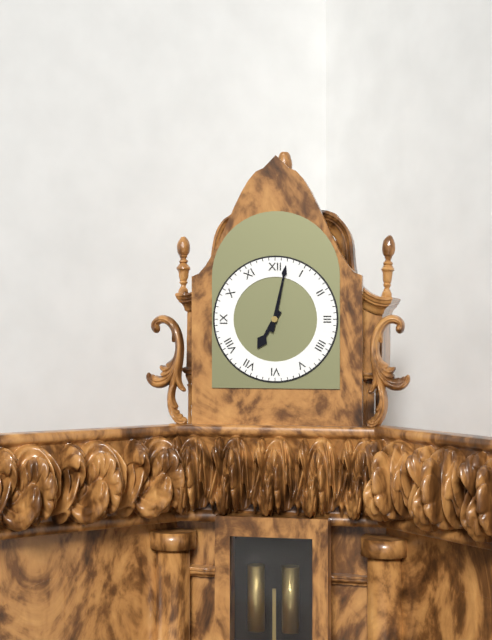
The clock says 7:02
